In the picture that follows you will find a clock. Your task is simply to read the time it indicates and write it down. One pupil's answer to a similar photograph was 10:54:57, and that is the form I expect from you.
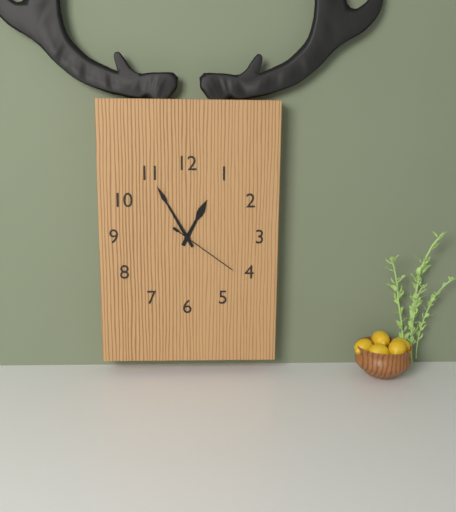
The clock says 12:55:21
